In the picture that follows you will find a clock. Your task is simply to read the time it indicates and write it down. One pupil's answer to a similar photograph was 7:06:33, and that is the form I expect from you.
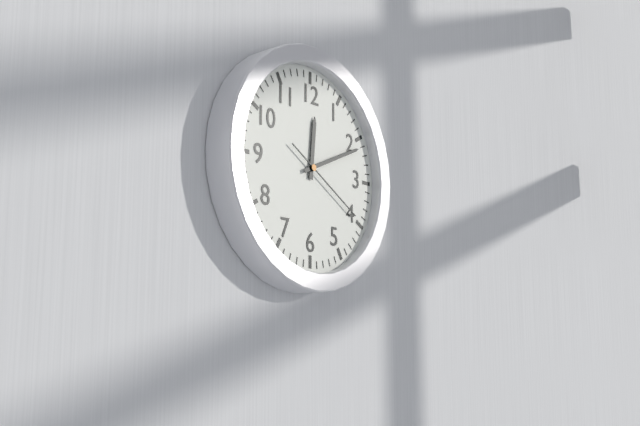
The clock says 12:11:20
